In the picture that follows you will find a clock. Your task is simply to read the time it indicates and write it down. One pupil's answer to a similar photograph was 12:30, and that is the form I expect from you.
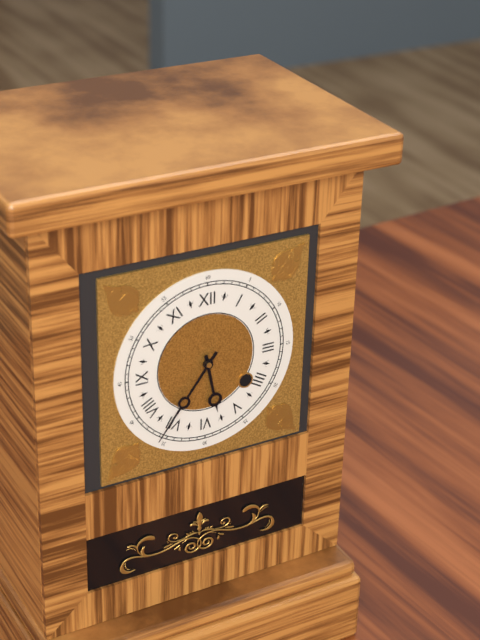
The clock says 5:36
